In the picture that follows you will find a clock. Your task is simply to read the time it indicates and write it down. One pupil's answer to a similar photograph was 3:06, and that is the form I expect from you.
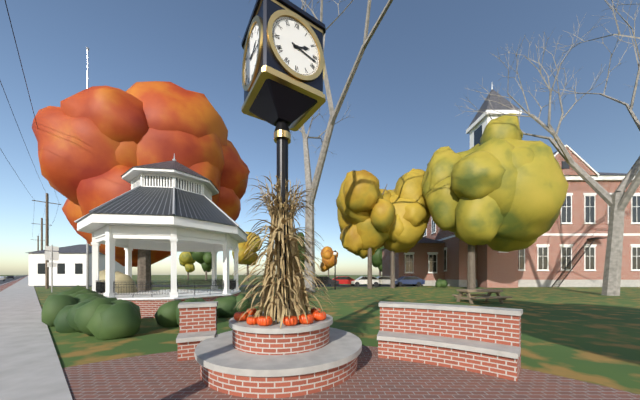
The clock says 2:17
